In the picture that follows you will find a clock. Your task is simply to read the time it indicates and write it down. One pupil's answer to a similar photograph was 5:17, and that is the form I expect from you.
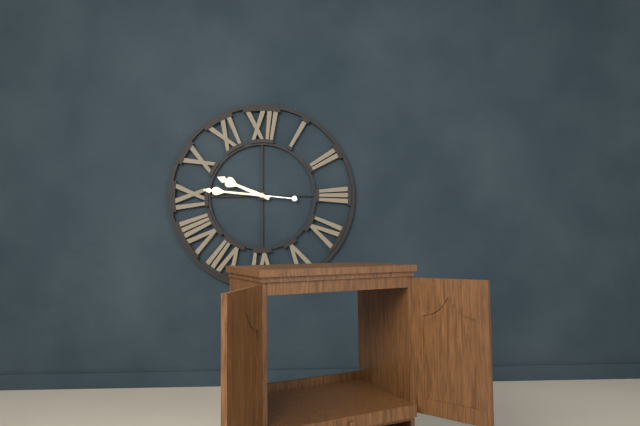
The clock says 9:46
